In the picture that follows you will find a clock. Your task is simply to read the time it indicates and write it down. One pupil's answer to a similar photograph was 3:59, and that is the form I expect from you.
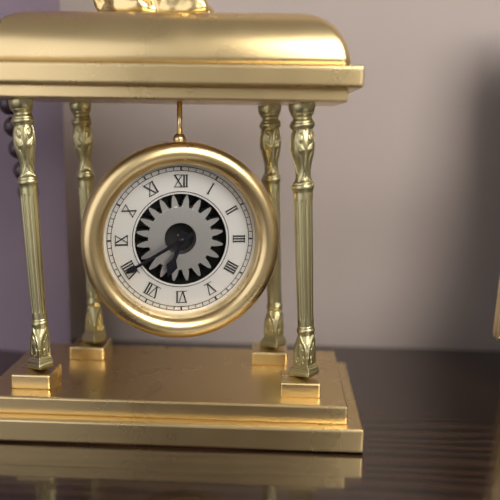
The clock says 6:40
